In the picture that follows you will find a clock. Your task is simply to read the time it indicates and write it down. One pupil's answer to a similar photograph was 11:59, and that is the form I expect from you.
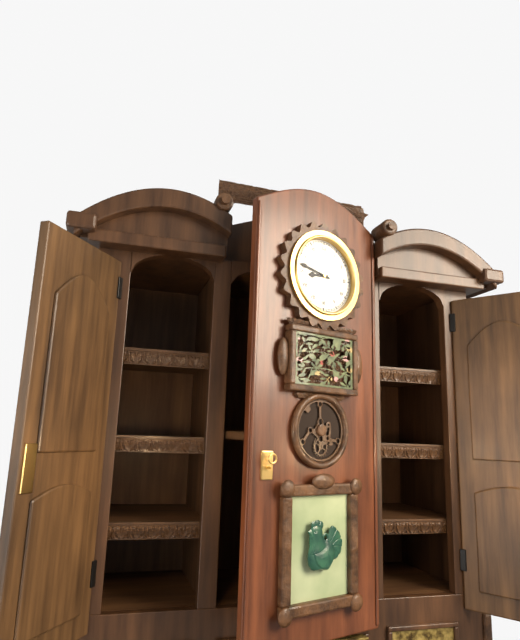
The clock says 8:47
